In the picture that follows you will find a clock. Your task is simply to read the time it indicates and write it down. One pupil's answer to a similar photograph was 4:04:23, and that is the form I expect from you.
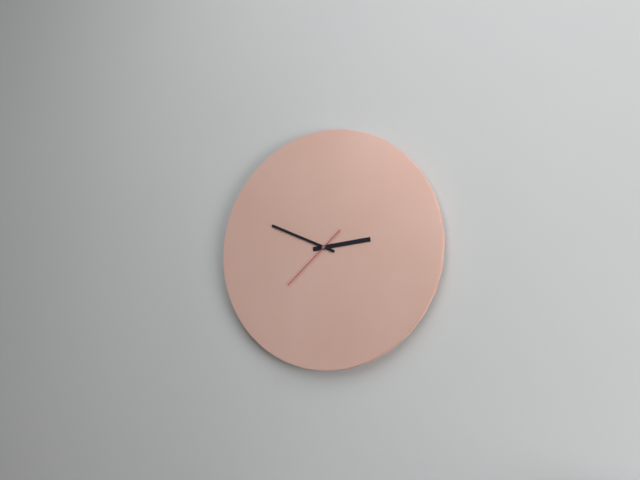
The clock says 2:49:38
